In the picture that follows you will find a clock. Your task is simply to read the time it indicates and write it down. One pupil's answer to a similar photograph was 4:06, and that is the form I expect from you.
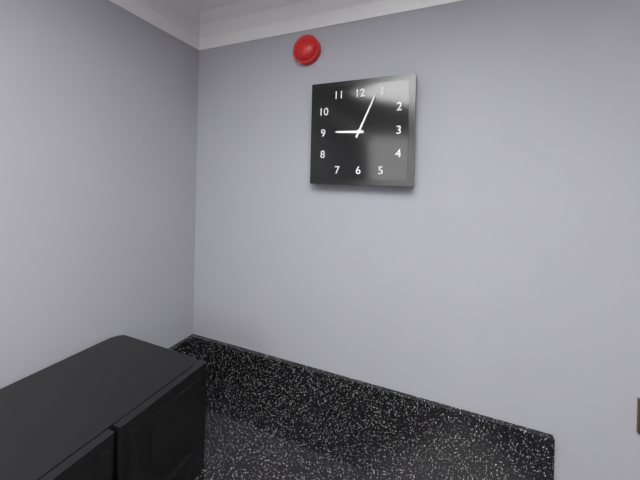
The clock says 9:04
